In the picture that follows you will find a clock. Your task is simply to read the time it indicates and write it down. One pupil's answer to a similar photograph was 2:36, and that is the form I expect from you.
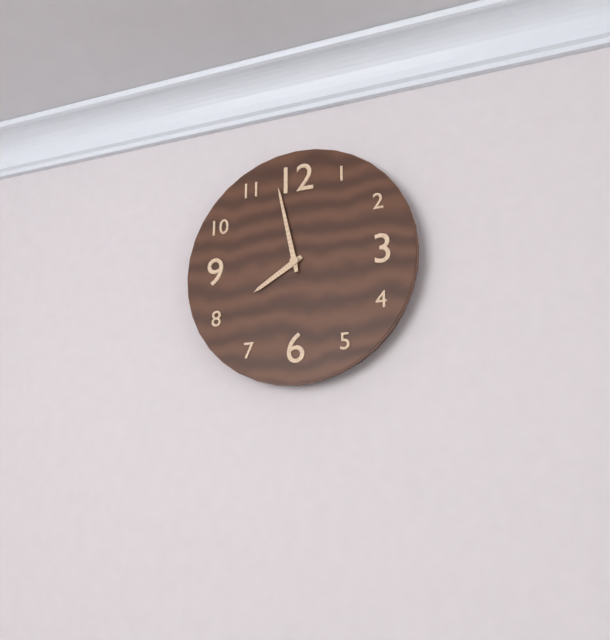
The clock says 7:58
